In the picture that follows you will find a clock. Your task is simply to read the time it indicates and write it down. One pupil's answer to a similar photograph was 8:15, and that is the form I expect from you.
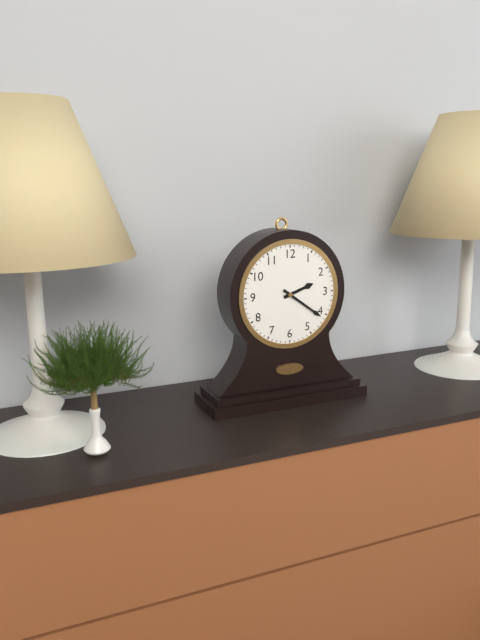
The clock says 2:21
